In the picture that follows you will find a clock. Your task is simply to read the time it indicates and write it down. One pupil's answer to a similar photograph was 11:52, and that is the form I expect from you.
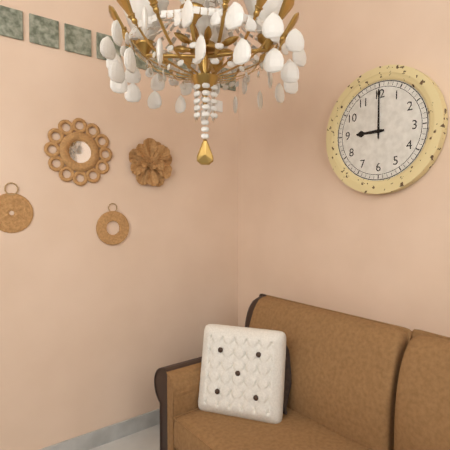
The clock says 9:00
